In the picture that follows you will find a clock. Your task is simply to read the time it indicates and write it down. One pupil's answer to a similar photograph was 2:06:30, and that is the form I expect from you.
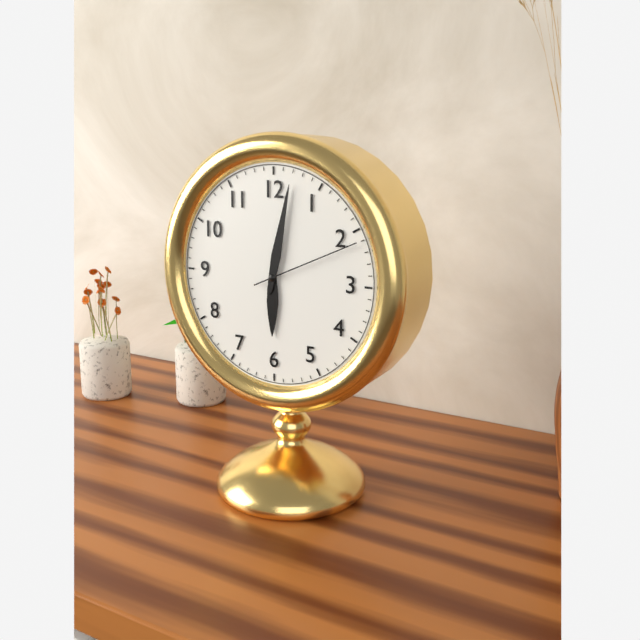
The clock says 6:02:11
